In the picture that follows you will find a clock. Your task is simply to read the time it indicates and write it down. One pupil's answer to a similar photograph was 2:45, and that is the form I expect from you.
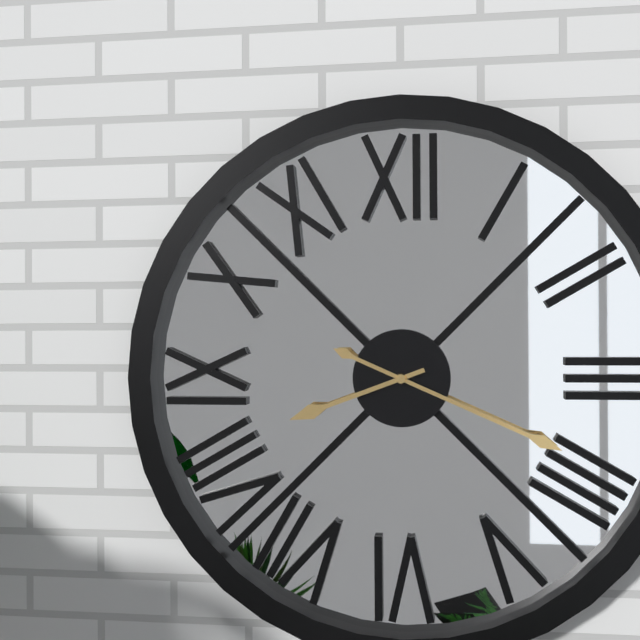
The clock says 8:19
